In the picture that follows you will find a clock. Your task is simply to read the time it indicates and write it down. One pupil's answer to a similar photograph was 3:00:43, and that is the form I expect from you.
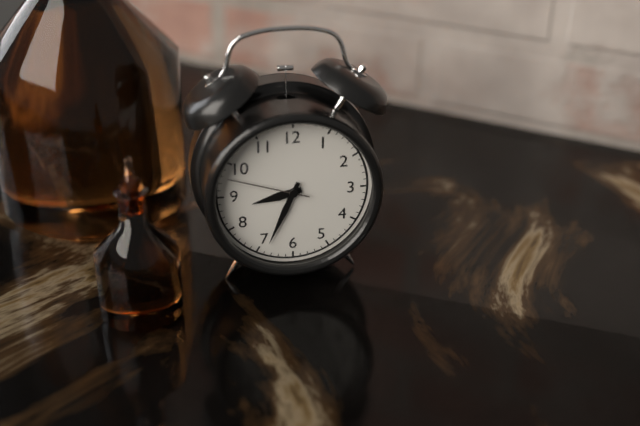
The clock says 8:34:48
